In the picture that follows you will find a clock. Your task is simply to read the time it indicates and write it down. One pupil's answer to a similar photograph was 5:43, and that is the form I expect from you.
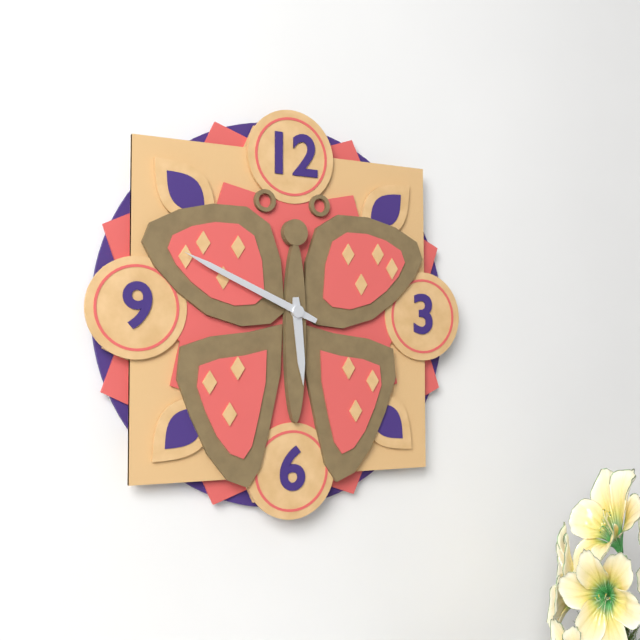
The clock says 5:49
